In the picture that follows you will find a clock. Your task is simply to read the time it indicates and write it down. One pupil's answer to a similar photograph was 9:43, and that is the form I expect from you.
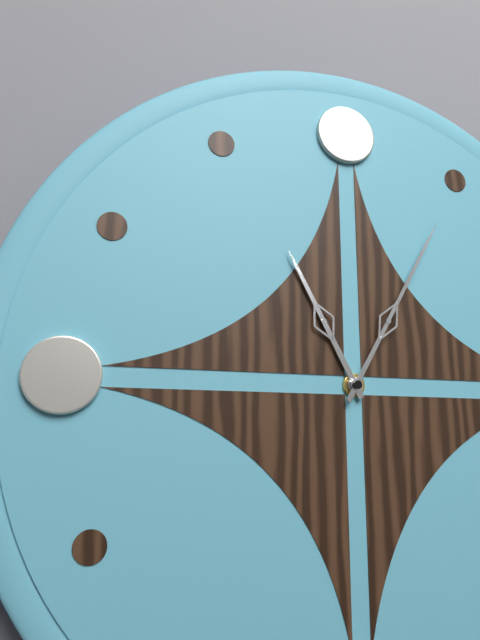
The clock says 11:05
